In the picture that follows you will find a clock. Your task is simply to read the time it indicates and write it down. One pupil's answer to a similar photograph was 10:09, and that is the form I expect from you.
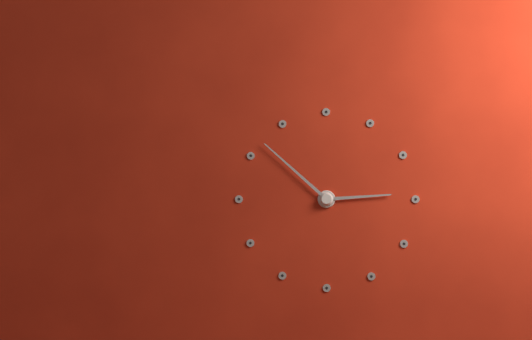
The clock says 2:52
